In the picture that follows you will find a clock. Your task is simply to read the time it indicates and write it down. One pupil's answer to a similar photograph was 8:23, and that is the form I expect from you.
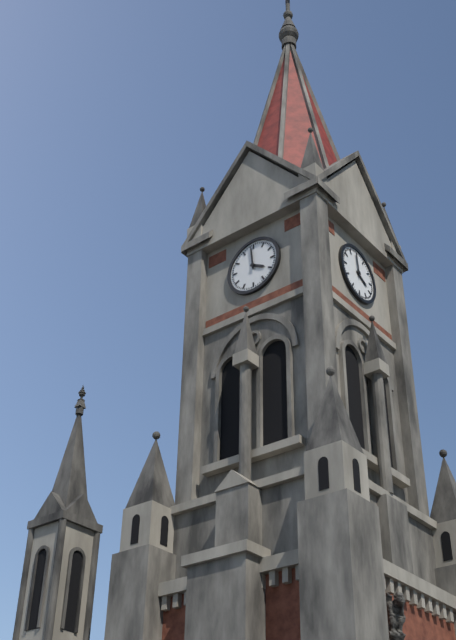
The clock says 3:59
